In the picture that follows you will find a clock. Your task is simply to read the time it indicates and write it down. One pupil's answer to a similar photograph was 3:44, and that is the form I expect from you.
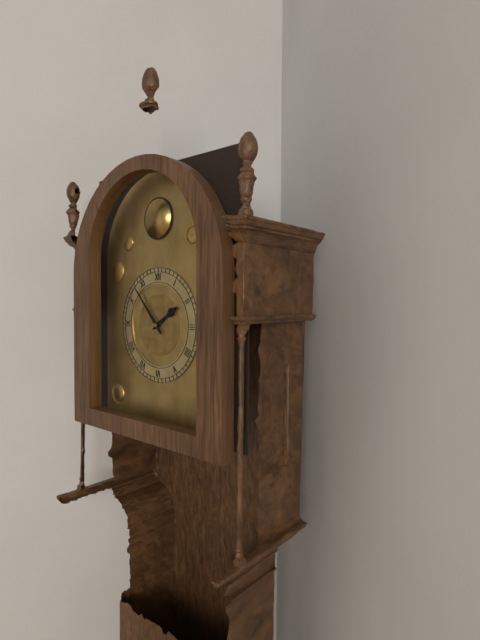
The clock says 1:53
